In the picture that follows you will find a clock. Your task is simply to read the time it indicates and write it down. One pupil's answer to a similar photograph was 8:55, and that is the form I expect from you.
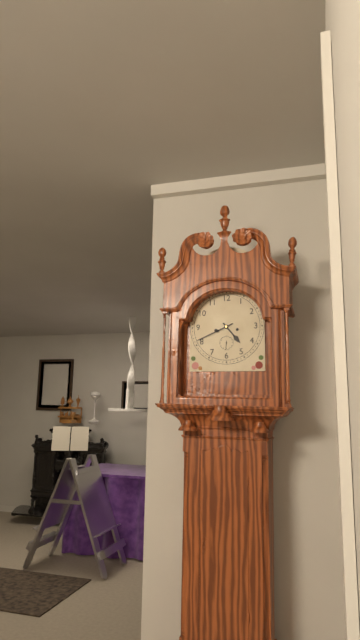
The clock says 4:41
